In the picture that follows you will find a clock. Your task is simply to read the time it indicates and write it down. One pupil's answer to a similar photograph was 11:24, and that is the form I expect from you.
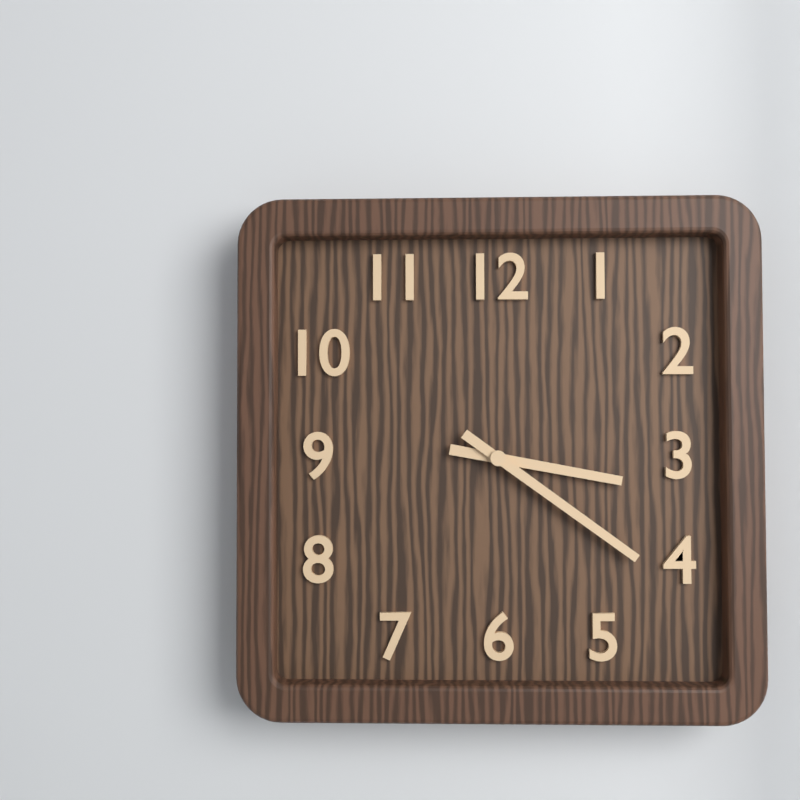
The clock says 3:21
